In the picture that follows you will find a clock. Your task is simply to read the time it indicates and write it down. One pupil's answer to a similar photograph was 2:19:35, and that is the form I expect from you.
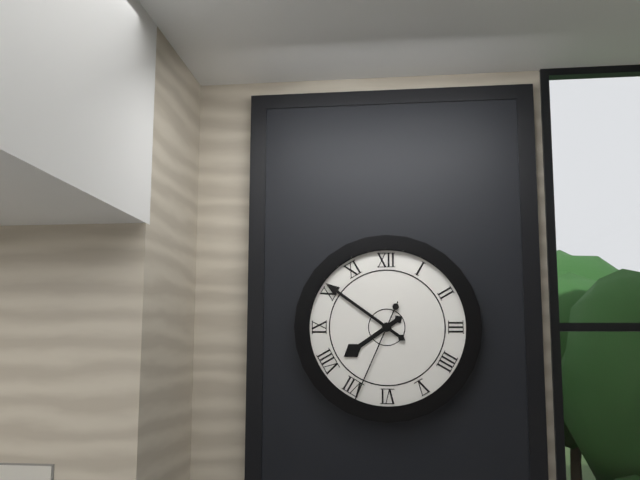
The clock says 7:51:34
